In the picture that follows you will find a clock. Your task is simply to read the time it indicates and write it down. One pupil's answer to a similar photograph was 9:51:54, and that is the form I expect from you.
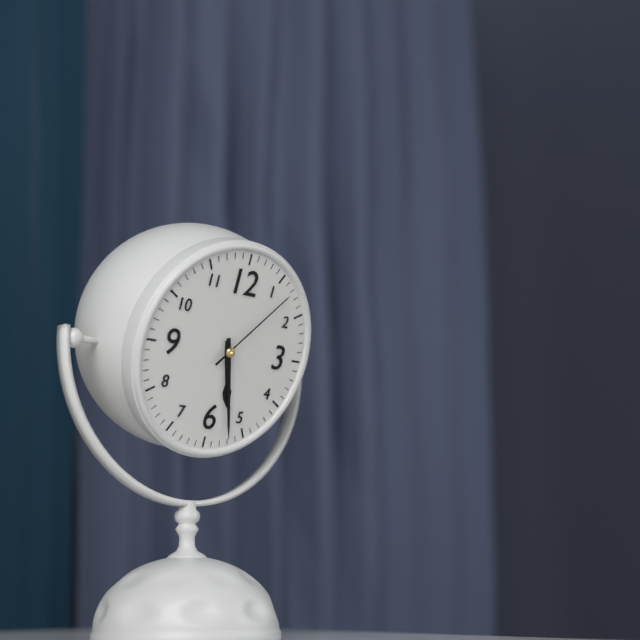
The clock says 5:27:07
